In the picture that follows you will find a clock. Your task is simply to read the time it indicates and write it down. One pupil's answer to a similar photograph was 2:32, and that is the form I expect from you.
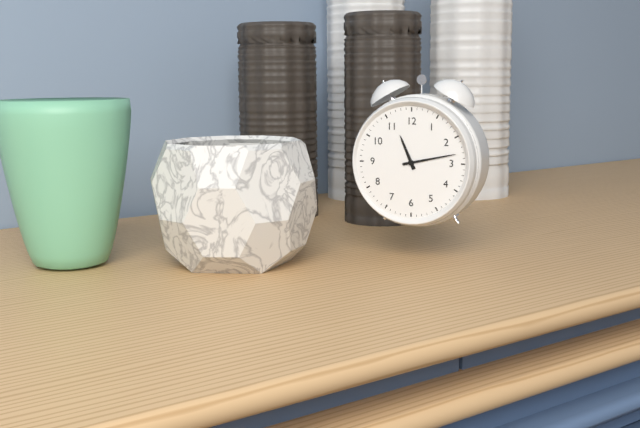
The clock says 11:13
